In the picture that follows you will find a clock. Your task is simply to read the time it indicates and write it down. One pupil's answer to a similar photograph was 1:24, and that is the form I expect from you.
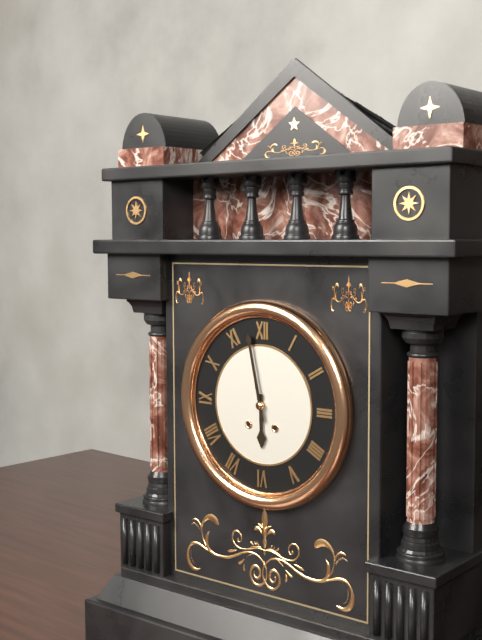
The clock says 5:58
